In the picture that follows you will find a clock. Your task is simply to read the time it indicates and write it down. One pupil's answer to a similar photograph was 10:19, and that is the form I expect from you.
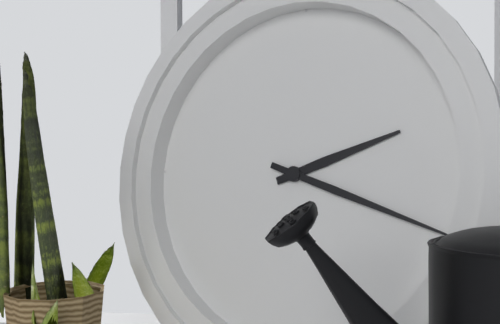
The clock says 2:18
